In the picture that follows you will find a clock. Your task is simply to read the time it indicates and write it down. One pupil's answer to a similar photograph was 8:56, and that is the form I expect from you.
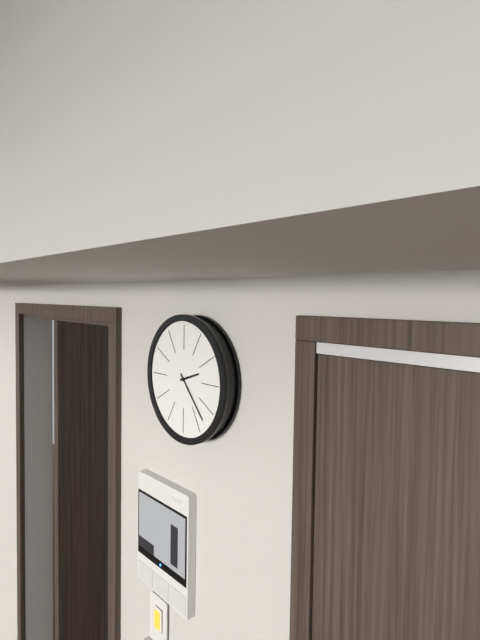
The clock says 2:23
